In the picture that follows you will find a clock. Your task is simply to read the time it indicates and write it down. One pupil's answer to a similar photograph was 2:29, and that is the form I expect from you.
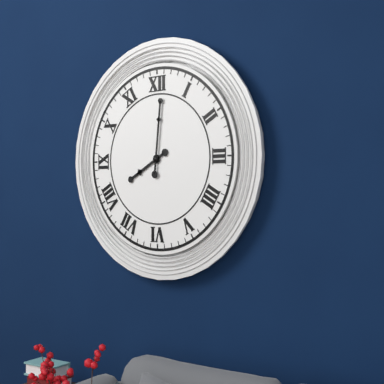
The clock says 8:01
